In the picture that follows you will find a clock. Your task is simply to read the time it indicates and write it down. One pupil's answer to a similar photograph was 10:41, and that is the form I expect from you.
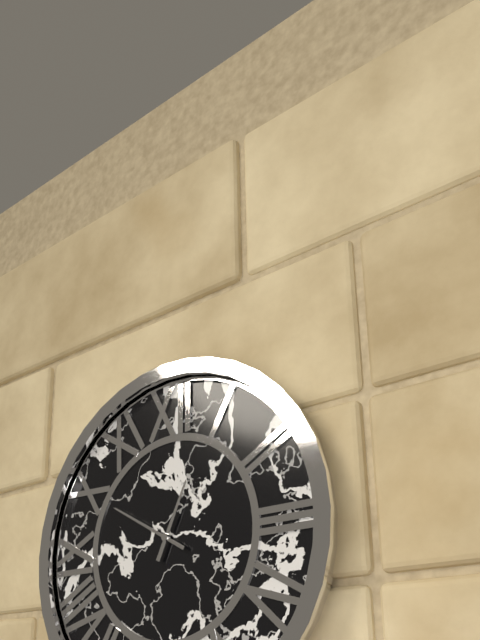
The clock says 12:50
